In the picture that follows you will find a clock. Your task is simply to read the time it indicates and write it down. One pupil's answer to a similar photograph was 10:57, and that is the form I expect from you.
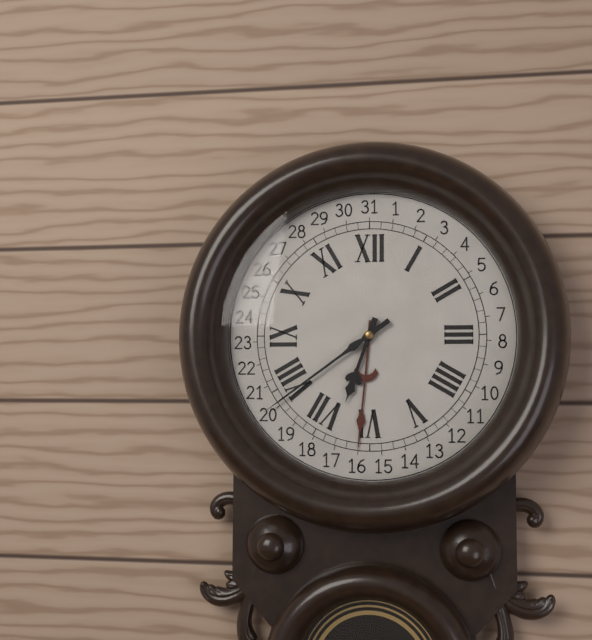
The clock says 6:39
